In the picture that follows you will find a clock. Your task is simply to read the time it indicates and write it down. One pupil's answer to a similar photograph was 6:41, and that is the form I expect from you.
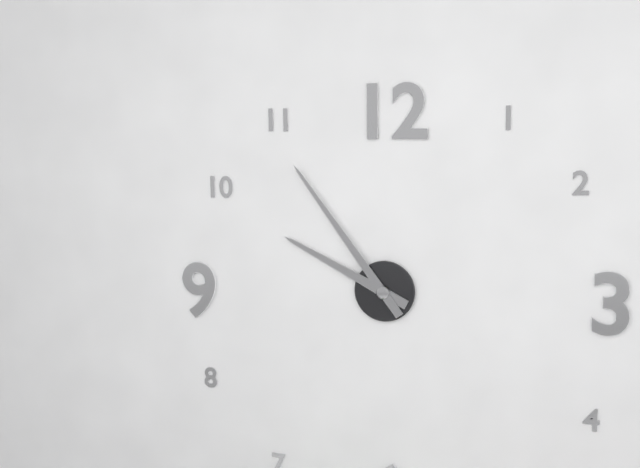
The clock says 9:54
